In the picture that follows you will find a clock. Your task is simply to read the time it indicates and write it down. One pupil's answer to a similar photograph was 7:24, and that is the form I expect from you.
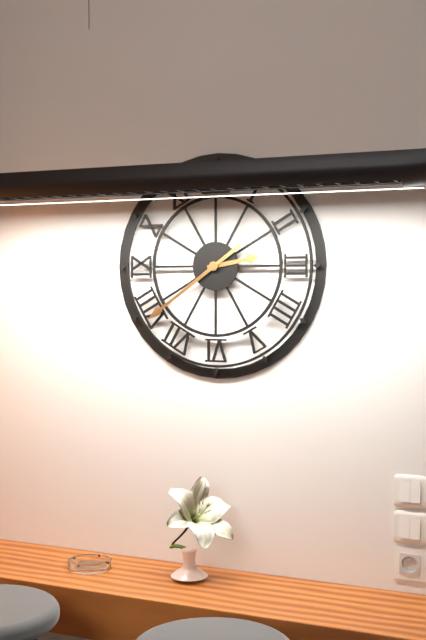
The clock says 2:39
